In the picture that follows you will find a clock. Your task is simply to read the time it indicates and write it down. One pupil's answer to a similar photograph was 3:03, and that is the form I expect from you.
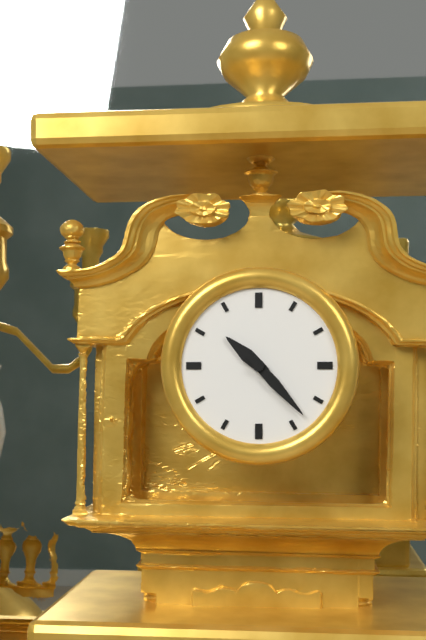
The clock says 10:23
